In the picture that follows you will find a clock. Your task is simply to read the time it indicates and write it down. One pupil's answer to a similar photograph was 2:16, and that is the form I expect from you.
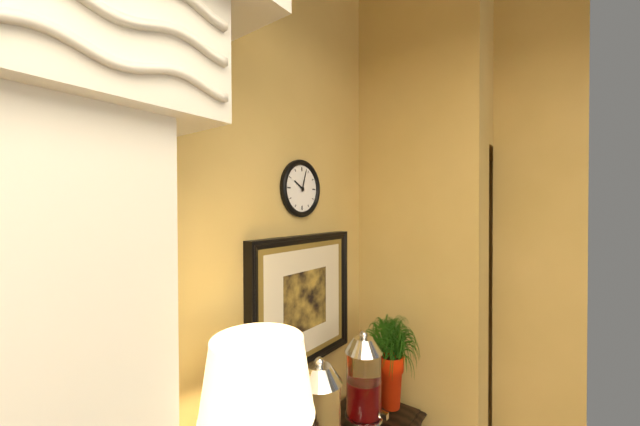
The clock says 10:03
